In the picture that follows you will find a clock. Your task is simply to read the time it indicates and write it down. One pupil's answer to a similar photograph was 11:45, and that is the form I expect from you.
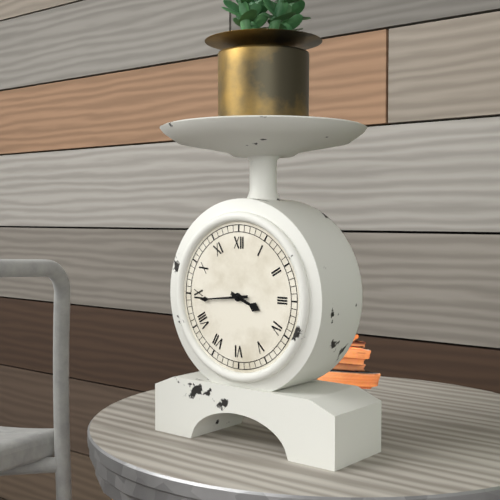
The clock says 3:44
